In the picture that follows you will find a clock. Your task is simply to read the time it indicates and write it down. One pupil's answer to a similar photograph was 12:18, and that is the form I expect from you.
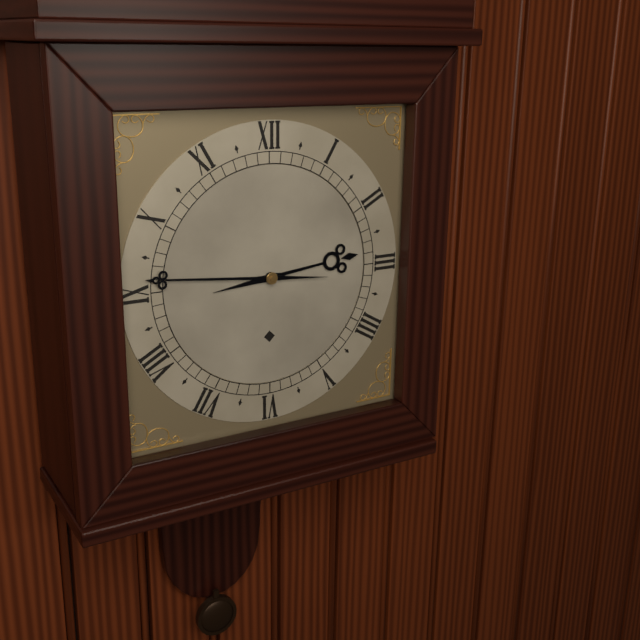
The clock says 2:46
